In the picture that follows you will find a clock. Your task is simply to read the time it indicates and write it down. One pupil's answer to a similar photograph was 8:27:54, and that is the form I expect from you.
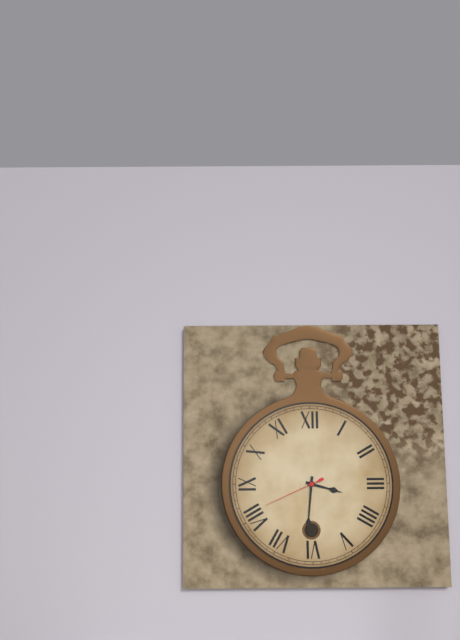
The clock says 3:31:41
